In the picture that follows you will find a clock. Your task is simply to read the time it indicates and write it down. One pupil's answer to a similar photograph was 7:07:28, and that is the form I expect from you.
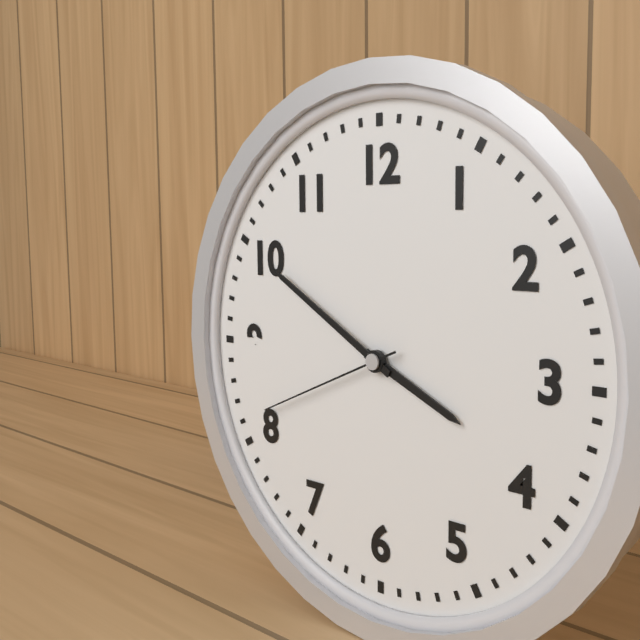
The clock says 3:50:41
